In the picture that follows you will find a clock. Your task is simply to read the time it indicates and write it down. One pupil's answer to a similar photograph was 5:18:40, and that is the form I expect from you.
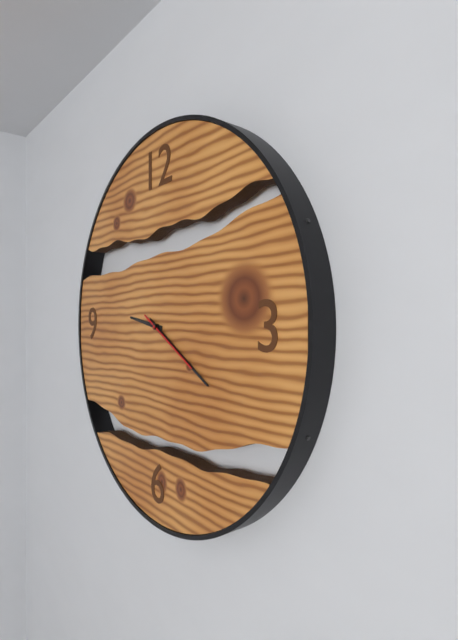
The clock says 9:20:20
